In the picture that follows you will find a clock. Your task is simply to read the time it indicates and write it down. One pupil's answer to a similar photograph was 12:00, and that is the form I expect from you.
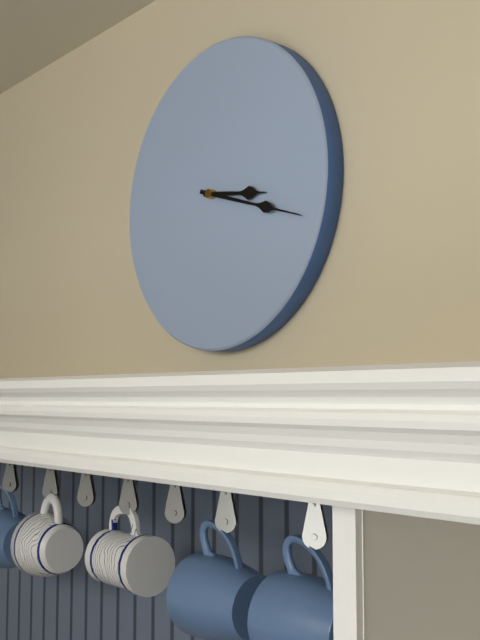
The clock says 3:18
